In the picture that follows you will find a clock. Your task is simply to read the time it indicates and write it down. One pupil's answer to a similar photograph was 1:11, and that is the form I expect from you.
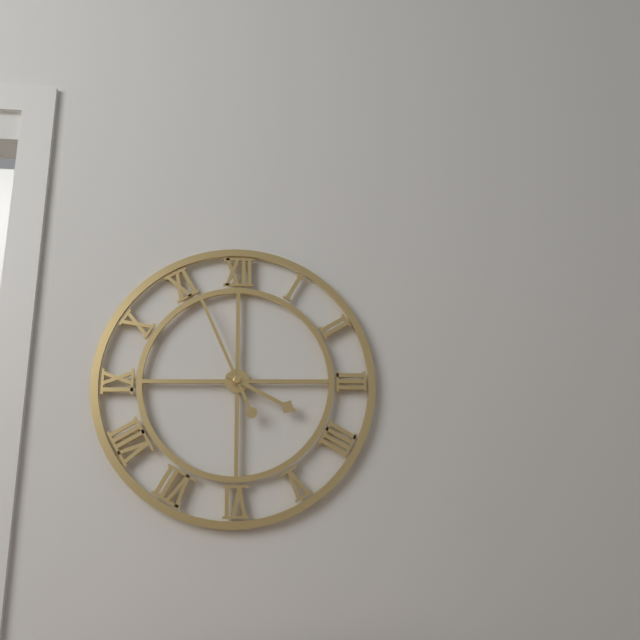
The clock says 3:56
